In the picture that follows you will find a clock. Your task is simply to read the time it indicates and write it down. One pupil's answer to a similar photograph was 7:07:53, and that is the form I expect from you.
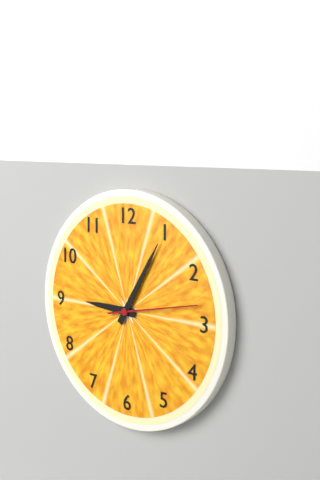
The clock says 9:05:13
